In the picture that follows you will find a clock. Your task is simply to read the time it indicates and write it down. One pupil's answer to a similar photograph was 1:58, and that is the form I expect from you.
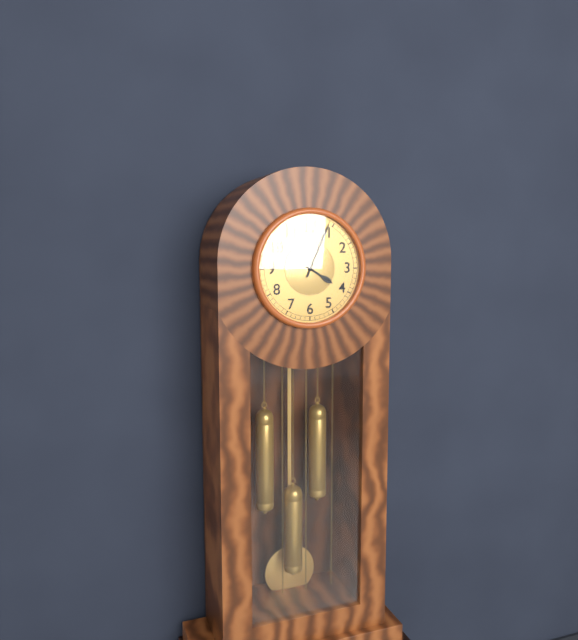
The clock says 4:04
